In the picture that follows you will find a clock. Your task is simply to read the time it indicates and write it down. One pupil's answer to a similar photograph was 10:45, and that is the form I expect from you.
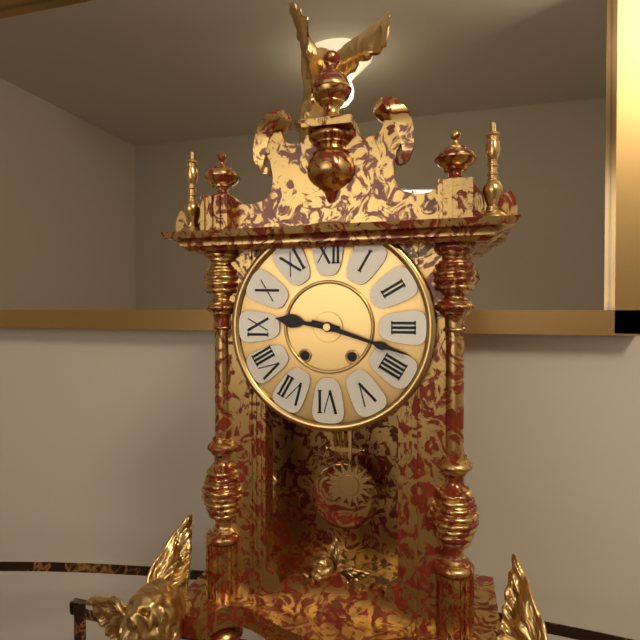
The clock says 9:18
